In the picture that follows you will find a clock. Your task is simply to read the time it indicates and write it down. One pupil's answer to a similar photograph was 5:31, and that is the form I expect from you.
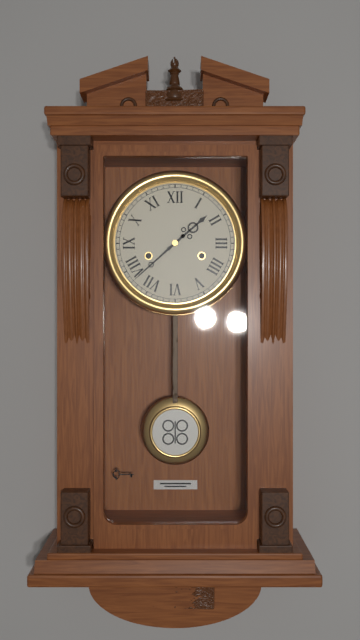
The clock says 1:38
